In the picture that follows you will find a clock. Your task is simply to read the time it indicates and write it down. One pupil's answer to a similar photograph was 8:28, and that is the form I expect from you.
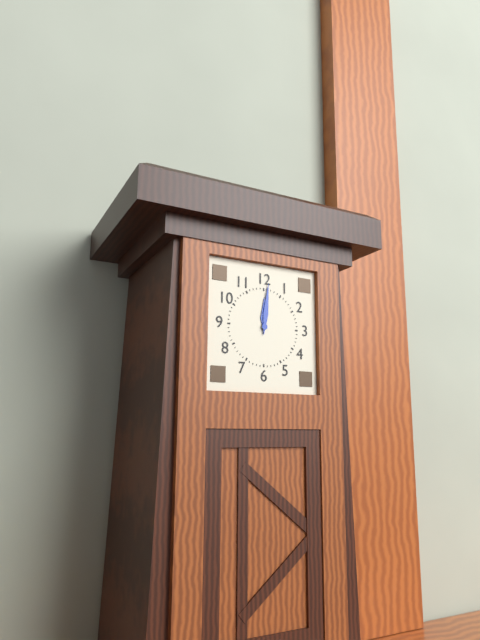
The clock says 12:01
